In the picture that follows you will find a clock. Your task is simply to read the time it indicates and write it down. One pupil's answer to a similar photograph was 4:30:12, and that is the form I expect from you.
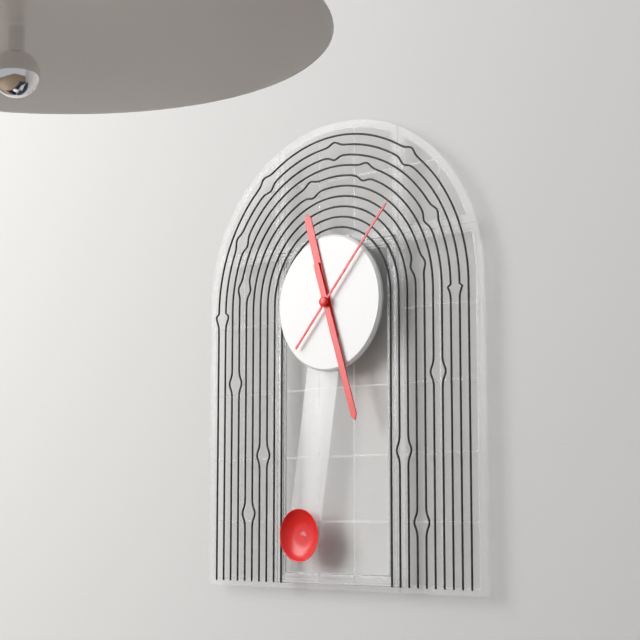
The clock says 11:27:07
